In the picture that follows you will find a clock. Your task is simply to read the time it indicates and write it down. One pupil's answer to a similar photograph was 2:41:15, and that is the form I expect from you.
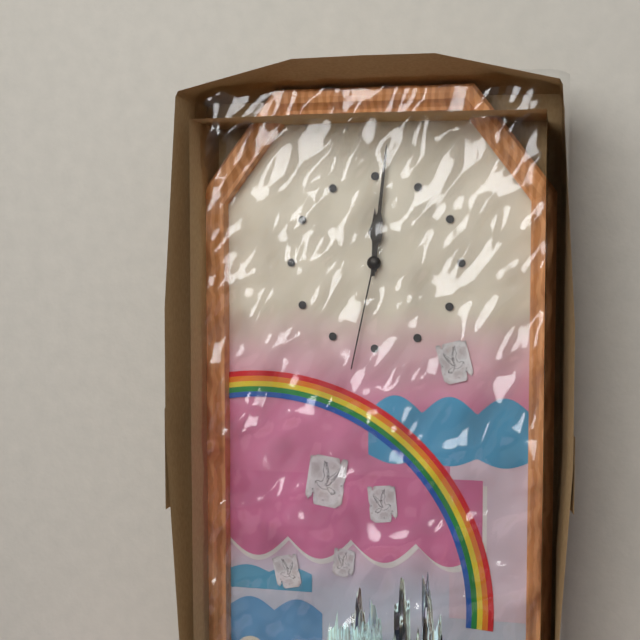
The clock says 12:01:32
